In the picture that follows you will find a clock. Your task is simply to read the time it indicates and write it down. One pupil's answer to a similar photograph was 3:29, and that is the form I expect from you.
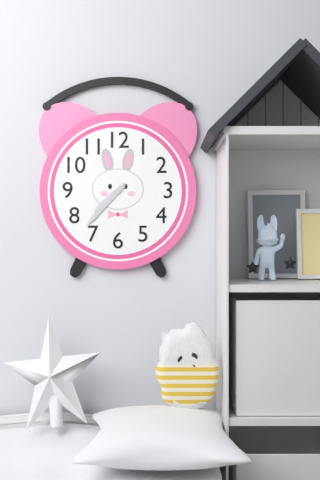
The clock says 7:37
